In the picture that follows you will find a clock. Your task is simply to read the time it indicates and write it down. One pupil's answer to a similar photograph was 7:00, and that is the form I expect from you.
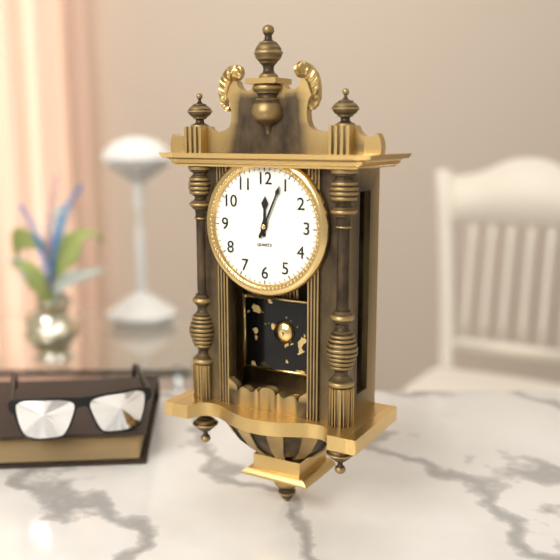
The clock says 12:04
